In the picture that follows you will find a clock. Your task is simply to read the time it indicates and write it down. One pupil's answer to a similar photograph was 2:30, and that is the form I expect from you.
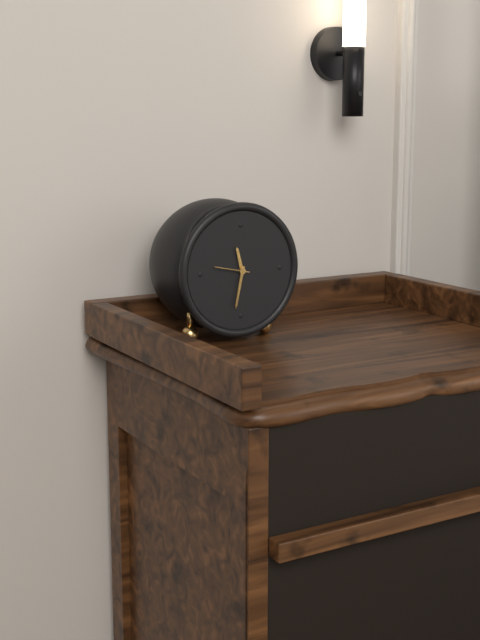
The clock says 11:32
